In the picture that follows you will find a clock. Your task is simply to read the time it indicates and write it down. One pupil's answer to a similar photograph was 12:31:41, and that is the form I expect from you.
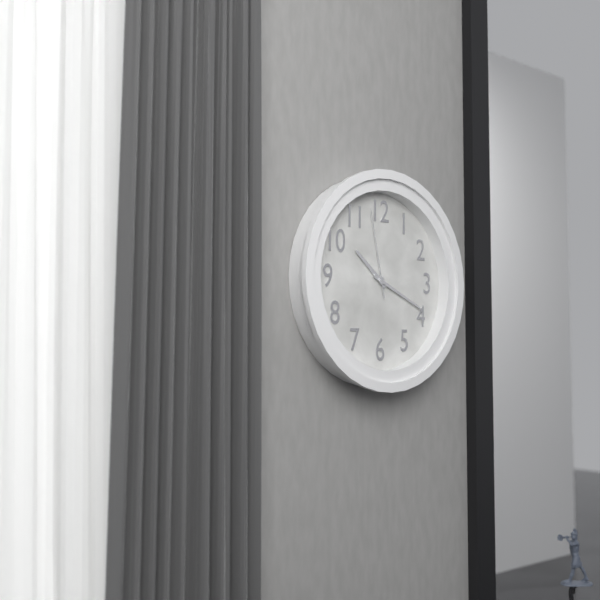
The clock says 10:19:58
